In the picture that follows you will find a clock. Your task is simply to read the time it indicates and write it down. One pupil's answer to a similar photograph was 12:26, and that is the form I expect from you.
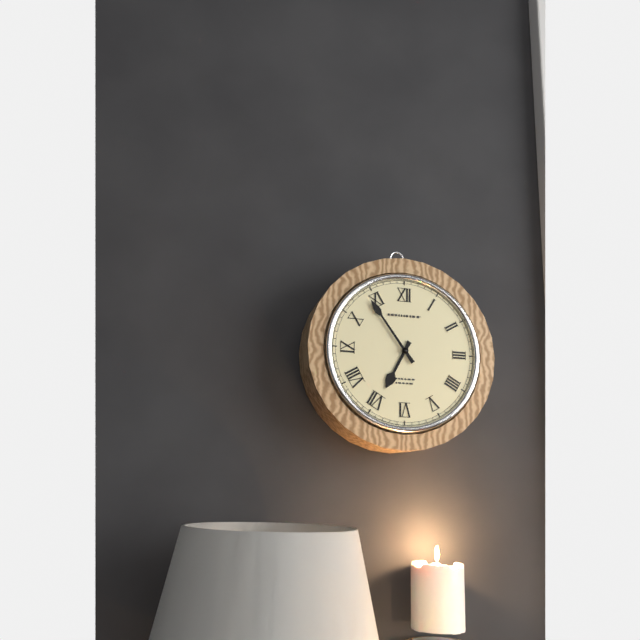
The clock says 6:54
